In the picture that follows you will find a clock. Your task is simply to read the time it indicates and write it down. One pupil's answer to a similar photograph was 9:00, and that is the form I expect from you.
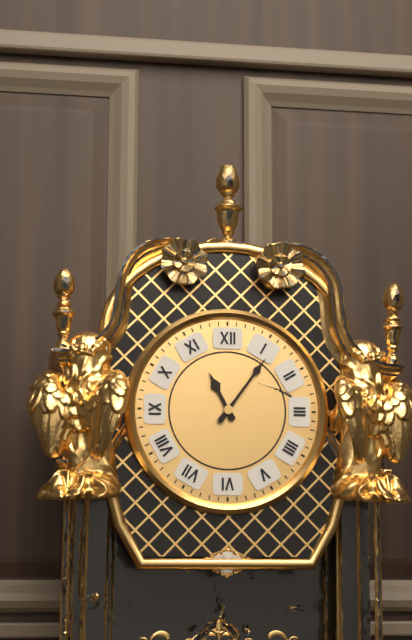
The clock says 11:06
